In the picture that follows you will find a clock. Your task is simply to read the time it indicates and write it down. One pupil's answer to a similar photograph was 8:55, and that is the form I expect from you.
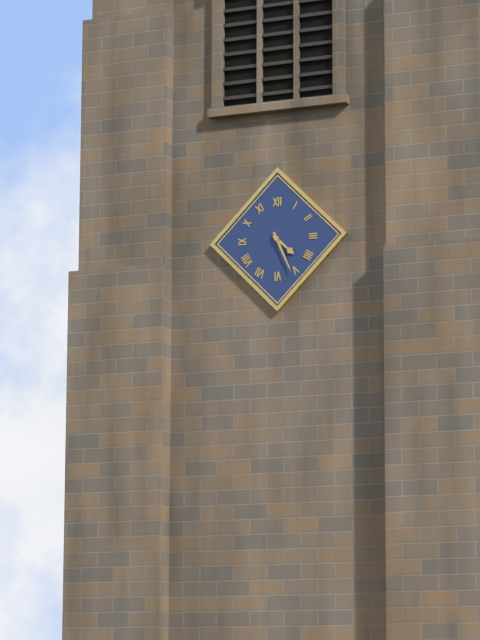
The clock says 4:26
